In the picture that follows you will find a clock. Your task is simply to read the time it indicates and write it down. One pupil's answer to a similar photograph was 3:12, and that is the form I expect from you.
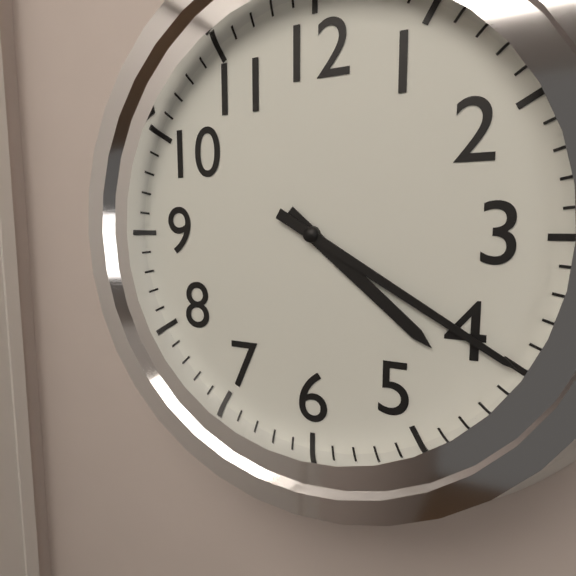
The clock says 4:20
